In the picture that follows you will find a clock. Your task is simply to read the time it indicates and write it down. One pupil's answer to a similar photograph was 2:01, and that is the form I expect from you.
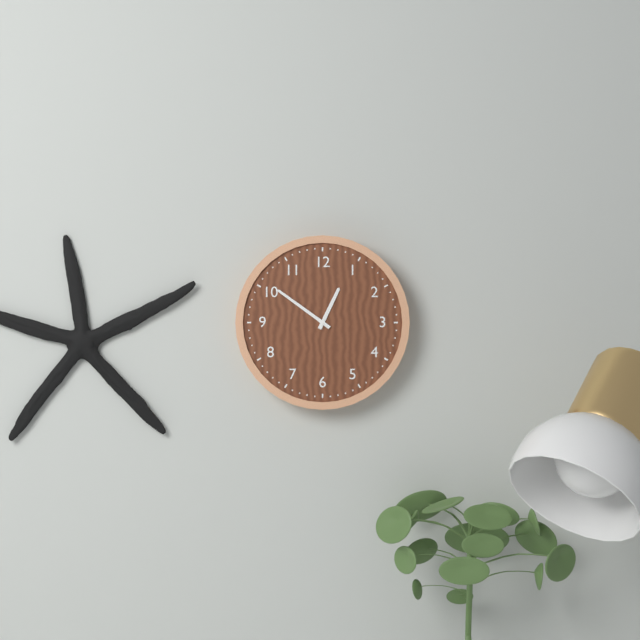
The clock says 12:51
